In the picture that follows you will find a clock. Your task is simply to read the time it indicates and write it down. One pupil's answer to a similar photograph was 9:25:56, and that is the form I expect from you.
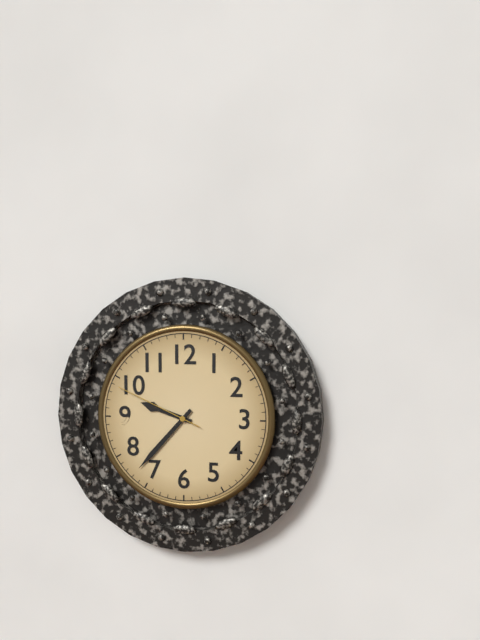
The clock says 9:37:49
